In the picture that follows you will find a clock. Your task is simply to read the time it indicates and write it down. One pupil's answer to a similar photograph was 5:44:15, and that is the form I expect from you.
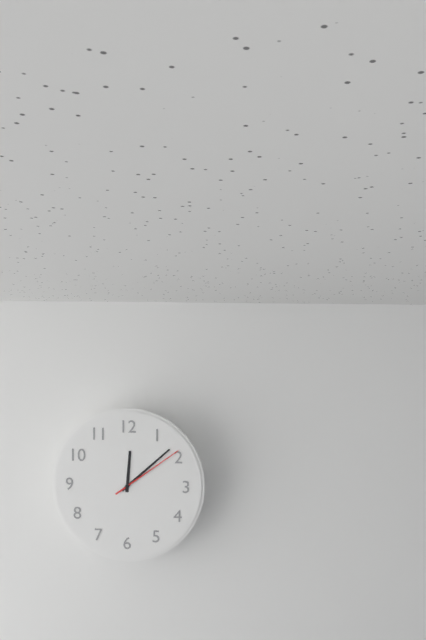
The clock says 12:08:09
